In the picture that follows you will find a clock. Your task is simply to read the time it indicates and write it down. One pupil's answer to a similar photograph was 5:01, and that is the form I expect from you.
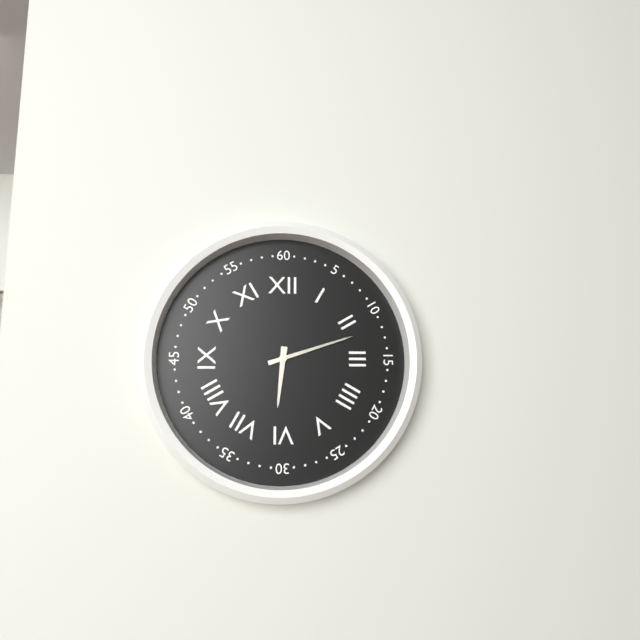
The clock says 6:12
